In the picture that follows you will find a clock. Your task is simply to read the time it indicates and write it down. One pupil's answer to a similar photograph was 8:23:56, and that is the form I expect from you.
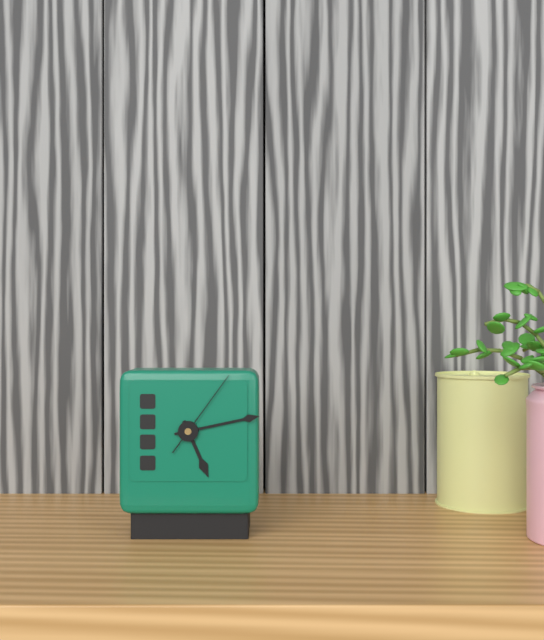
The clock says 5:13:06
